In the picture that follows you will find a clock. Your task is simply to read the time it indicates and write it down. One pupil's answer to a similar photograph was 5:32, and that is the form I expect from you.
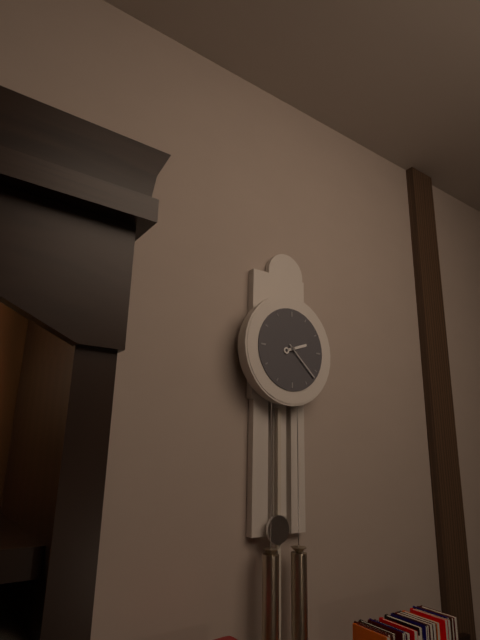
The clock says 2:22
